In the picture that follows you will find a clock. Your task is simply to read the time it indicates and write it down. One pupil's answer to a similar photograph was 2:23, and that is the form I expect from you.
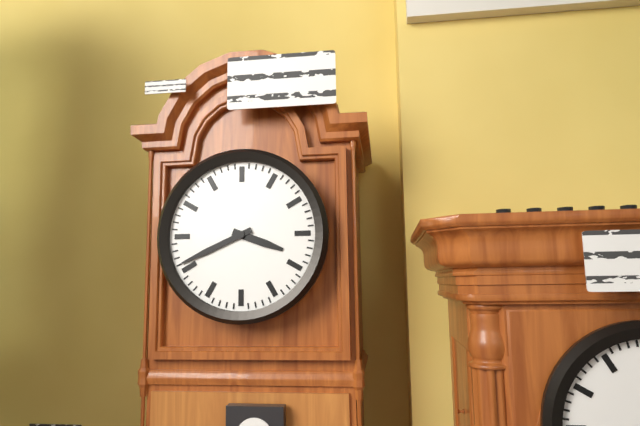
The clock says 3:41
